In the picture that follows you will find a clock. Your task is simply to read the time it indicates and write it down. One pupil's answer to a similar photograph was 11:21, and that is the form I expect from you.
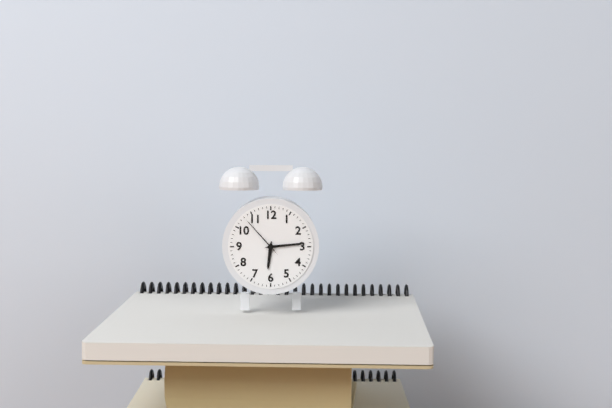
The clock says 6:14
